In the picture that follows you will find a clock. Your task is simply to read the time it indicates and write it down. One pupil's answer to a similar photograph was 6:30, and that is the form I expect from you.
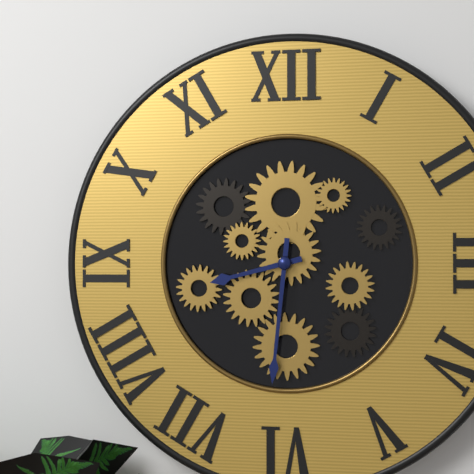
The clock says 8:31
